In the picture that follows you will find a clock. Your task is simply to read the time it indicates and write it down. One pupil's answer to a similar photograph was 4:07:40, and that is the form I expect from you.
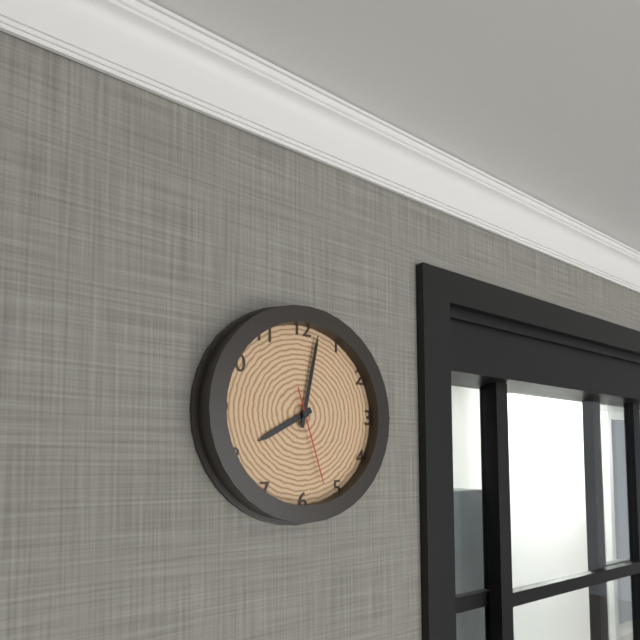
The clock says 8:02:27
